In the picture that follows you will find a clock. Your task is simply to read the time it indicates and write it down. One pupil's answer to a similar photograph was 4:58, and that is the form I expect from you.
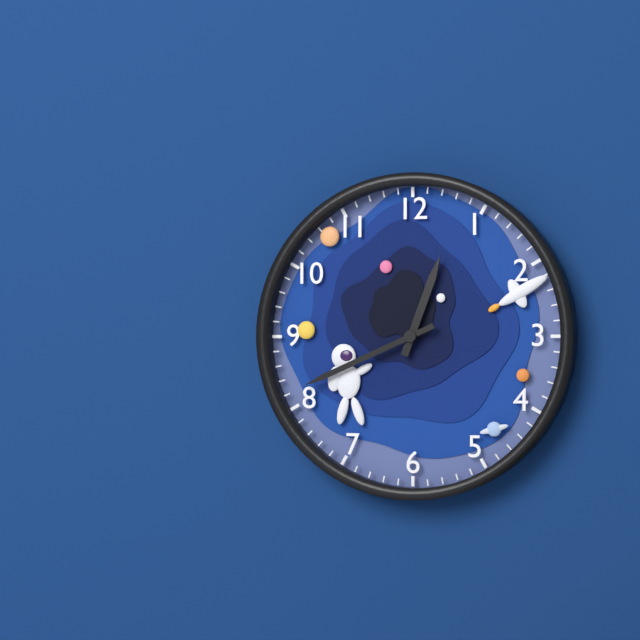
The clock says 12:41
